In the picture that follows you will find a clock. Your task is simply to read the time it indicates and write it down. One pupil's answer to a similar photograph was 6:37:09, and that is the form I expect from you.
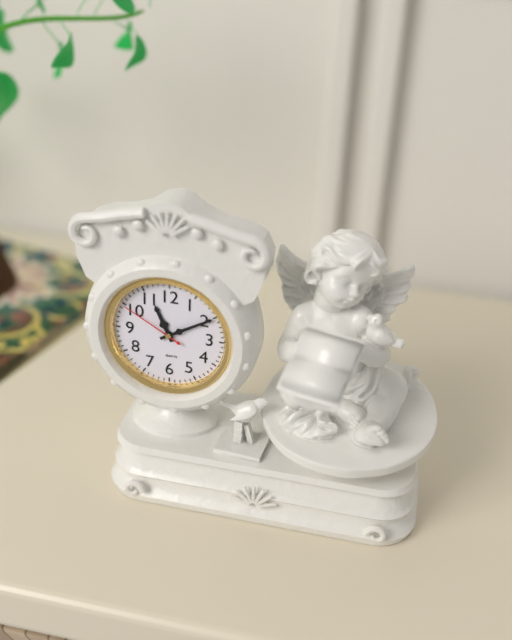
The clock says 11:10:50
